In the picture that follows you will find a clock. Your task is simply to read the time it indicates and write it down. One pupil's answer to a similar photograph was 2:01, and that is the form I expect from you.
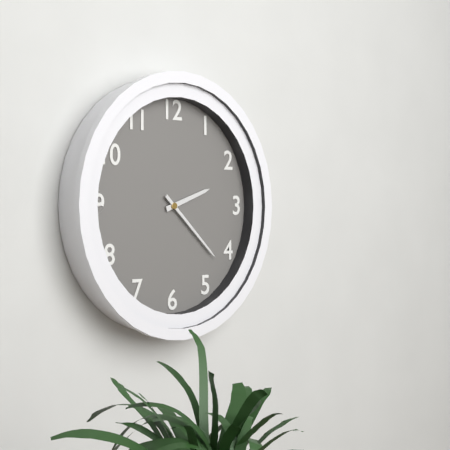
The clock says 2:22
